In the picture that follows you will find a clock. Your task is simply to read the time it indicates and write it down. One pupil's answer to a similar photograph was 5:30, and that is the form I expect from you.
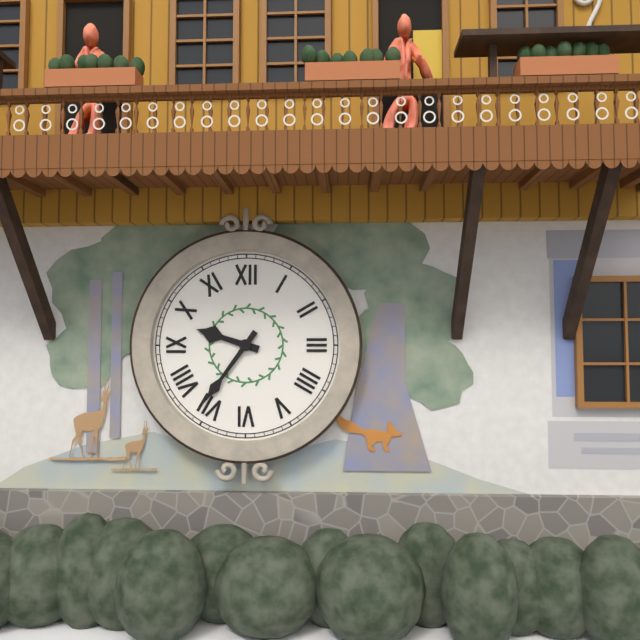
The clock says 9:36
